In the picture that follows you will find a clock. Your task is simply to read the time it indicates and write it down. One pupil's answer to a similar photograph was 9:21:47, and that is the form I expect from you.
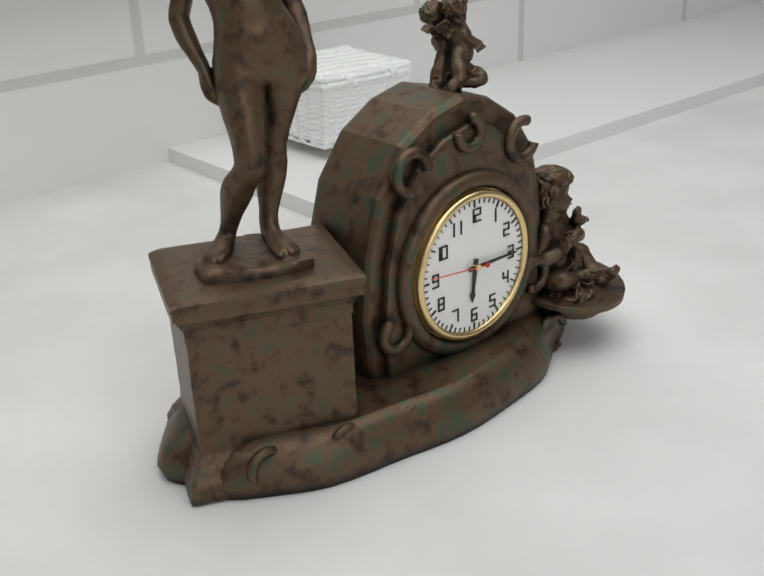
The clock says 6:15:46
